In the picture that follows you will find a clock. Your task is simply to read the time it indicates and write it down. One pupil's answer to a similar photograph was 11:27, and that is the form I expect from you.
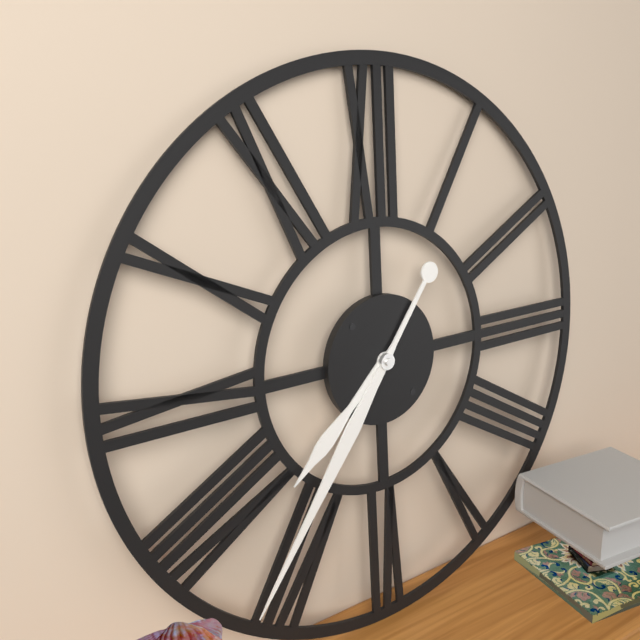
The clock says 7:36
